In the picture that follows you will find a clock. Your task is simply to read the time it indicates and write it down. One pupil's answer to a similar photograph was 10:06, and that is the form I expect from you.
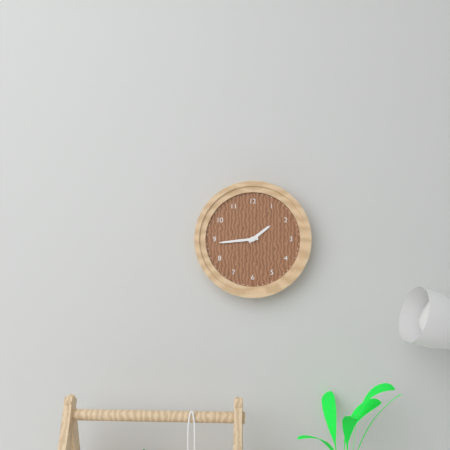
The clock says 1:44
